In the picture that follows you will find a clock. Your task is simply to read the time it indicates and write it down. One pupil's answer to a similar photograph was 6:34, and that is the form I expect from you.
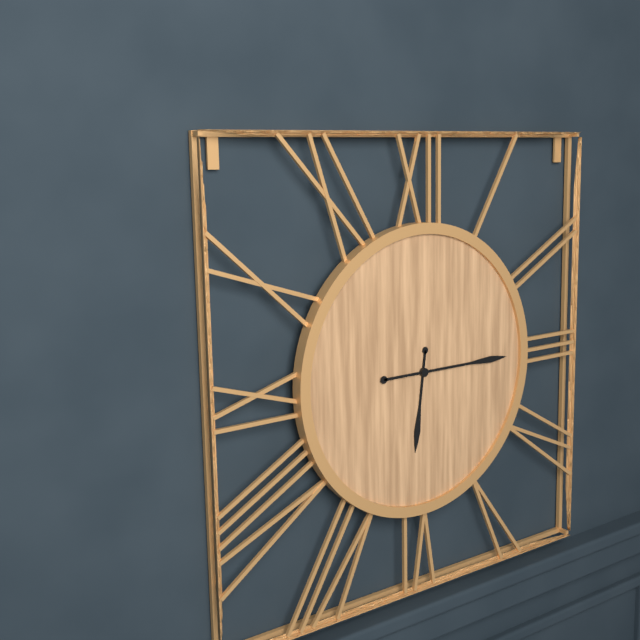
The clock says 6:15
